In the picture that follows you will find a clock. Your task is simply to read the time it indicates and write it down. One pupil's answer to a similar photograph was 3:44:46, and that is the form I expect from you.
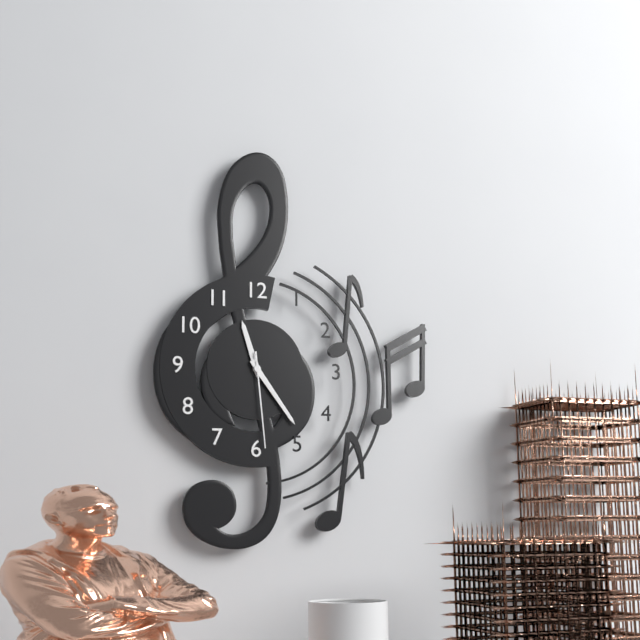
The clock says 11:24:29
